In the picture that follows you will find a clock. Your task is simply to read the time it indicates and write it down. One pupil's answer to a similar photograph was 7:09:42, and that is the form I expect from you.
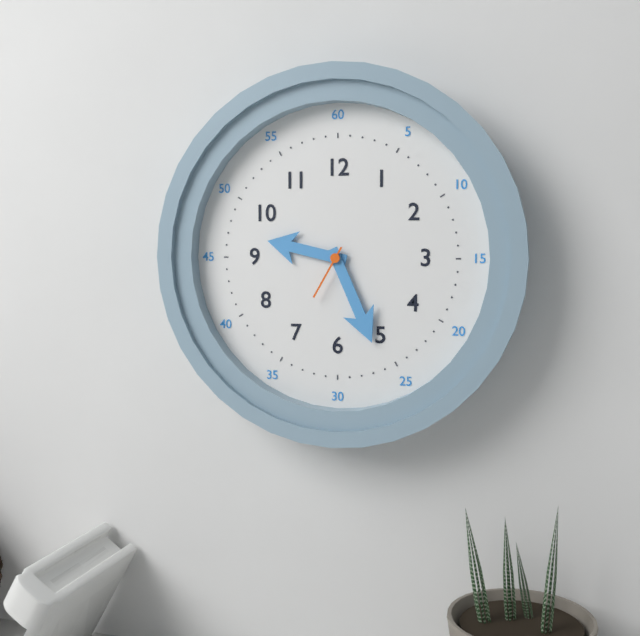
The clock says 9:26:35
